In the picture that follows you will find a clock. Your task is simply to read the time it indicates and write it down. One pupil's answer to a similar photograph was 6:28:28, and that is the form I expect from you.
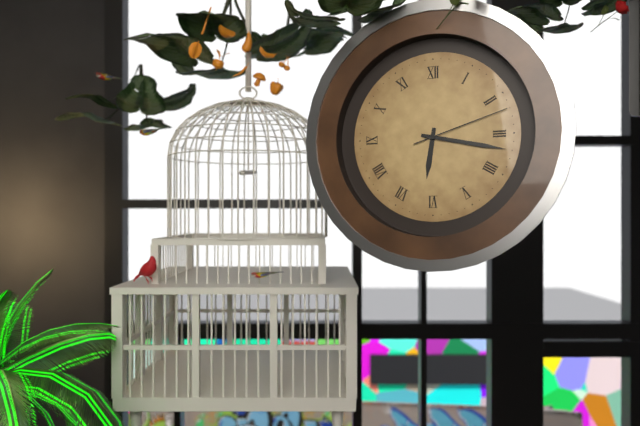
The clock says 6:17:12
